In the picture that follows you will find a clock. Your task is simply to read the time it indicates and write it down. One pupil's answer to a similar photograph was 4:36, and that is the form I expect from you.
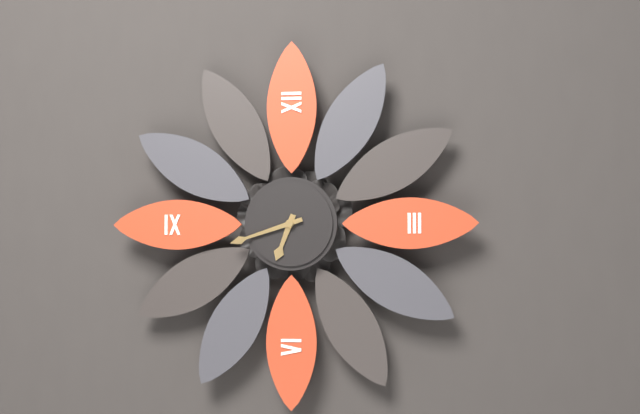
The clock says 6:42
